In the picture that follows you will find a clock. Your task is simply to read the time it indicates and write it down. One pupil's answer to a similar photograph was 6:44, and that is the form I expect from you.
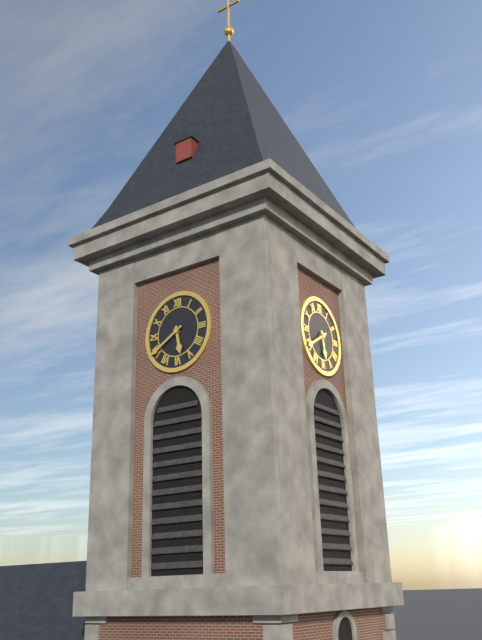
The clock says 5:40
